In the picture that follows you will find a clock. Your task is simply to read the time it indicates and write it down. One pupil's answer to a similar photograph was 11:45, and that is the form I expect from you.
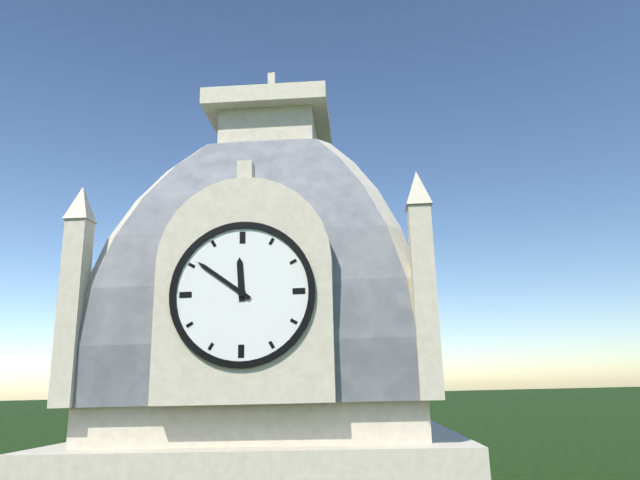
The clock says 11:51
